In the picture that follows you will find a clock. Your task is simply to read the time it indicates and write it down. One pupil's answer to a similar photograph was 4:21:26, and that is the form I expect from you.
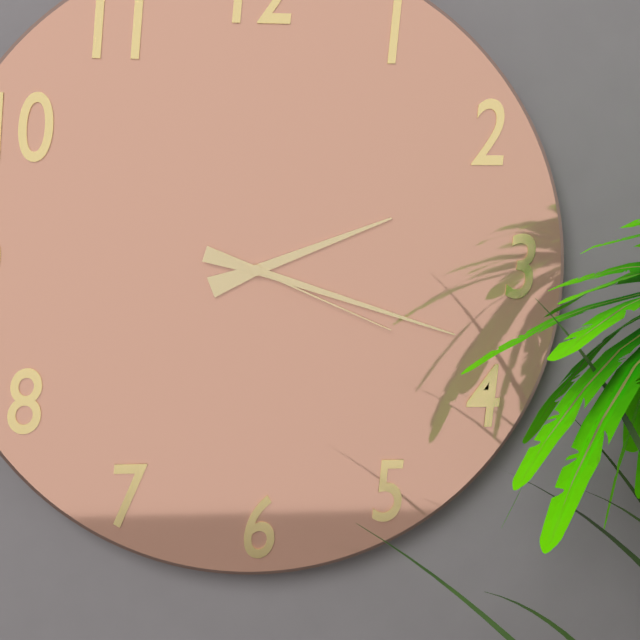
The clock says 2:18:19
